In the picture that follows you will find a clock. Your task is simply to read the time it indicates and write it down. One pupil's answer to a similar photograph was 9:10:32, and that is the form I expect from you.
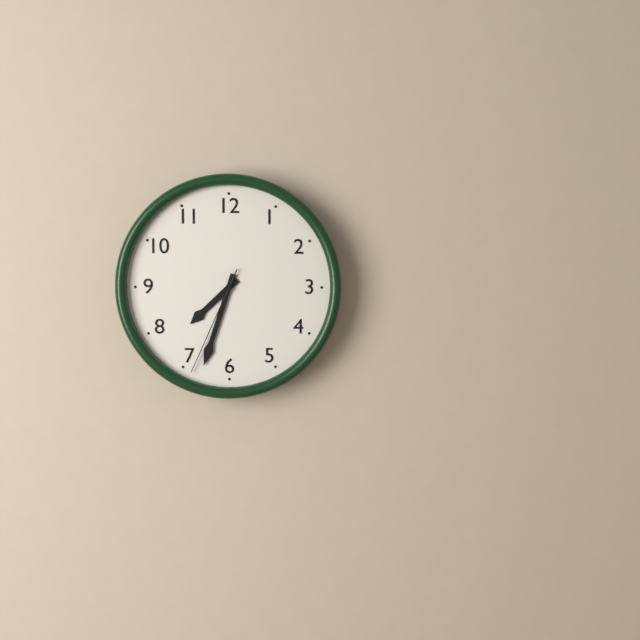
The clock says 7:33:34
